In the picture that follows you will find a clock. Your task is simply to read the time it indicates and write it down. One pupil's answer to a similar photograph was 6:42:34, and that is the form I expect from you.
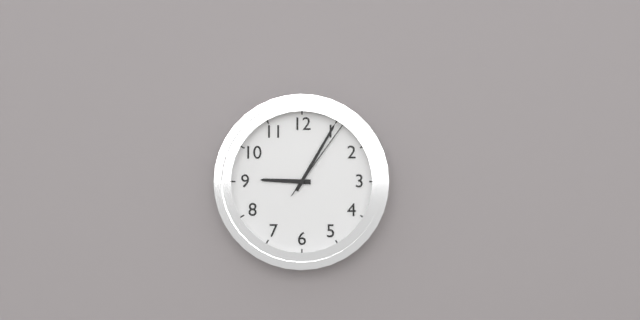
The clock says 9:05:06
